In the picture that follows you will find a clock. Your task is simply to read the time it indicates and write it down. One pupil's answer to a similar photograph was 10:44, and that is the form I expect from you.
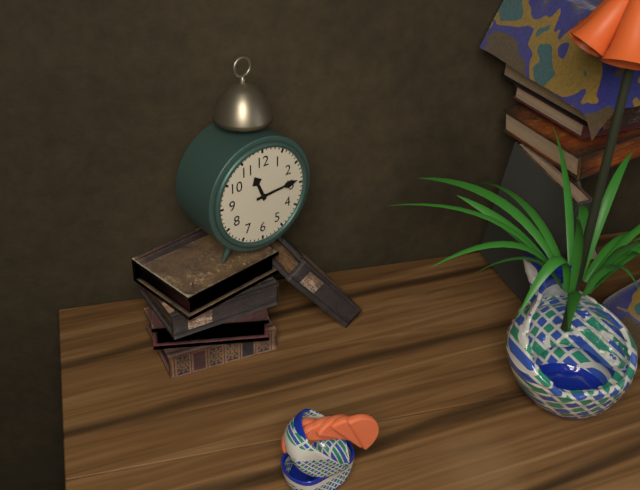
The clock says 11:14
